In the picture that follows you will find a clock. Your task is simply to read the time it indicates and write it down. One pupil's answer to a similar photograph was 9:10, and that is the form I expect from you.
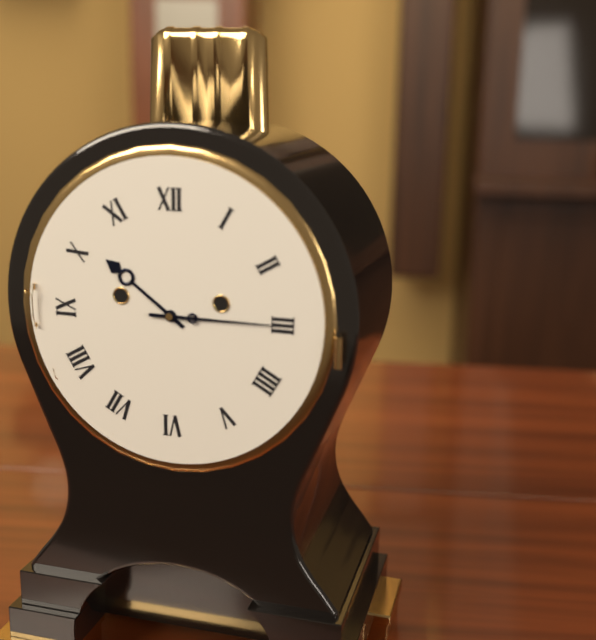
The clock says 10:15
